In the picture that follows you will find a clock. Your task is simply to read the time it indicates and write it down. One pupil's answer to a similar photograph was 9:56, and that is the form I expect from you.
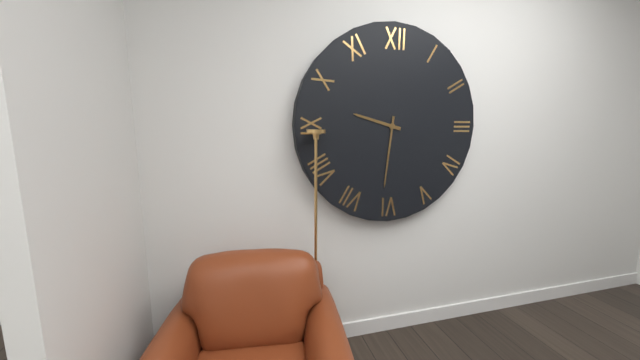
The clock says 9:31
